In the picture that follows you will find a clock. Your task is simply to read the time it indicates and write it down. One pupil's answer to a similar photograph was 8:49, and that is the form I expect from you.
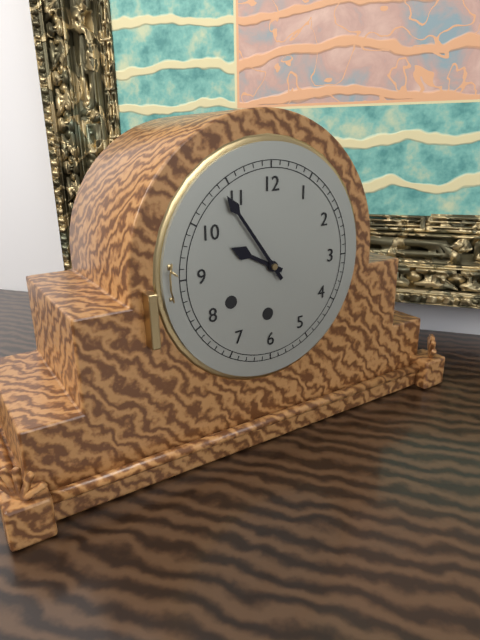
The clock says 9:54
